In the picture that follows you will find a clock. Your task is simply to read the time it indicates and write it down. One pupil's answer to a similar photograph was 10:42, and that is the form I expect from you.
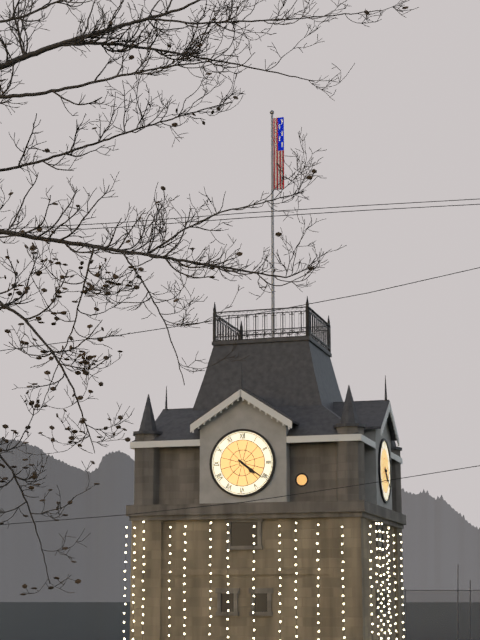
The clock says 4:21
